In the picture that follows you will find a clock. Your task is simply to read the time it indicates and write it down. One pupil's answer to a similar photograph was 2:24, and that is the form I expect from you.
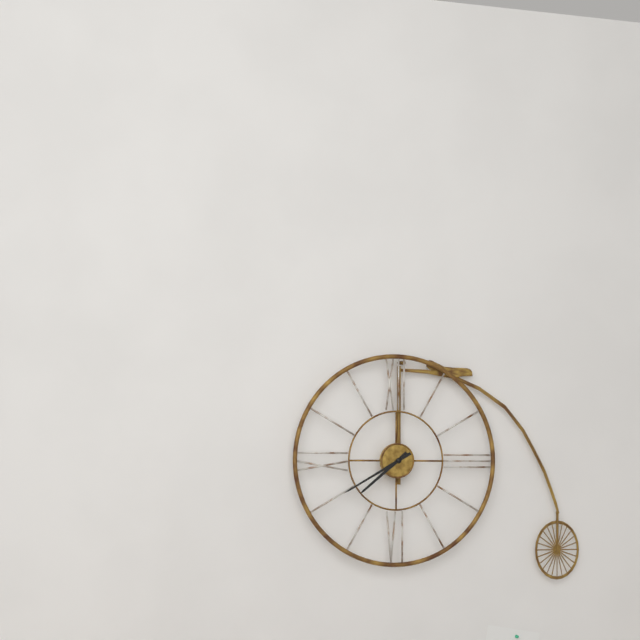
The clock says 7:40
